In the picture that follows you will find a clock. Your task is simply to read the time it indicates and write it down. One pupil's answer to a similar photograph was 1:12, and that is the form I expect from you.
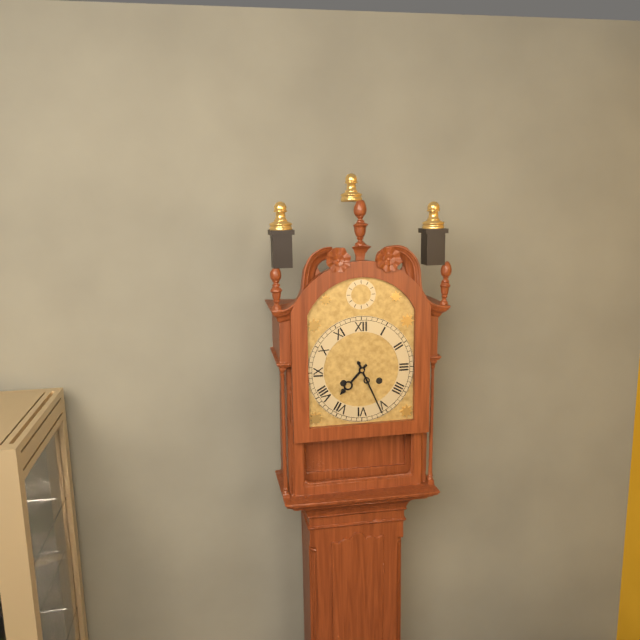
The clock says 7:26
